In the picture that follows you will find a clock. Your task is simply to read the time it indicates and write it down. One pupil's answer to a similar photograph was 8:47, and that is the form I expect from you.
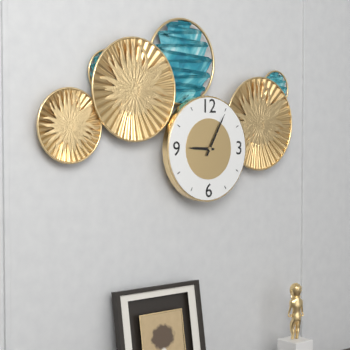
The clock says 9:05
